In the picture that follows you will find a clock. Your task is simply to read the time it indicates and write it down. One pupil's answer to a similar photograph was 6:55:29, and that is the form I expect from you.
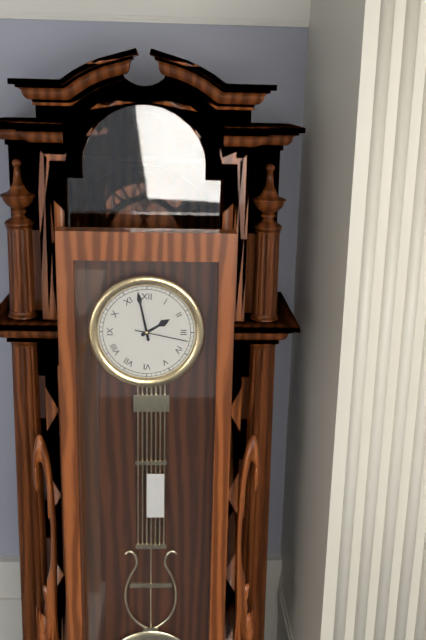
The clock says 1:58:17
